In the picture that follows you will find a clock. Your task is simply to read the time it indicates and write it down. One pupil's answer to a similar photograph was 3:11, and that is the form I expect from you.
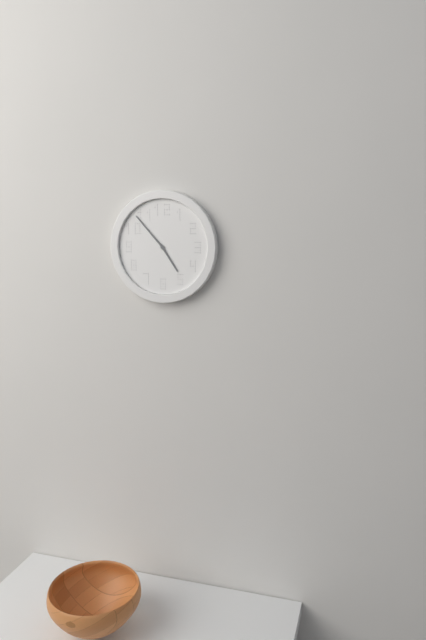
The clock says 4:53
